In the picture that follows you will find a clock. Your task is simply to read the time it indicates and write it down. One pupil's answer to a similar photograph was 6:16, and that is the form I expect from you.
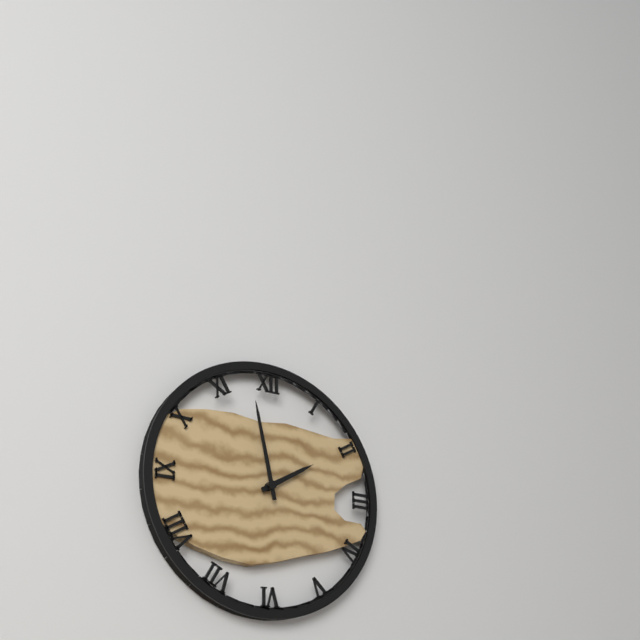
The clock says 1:58
